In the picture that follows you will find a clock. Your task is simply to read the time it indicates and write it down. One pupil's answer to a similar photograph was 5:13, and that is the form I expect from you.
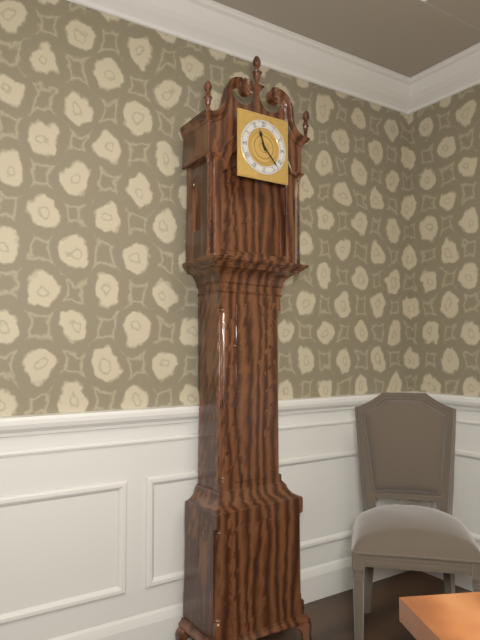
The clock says 11:23
